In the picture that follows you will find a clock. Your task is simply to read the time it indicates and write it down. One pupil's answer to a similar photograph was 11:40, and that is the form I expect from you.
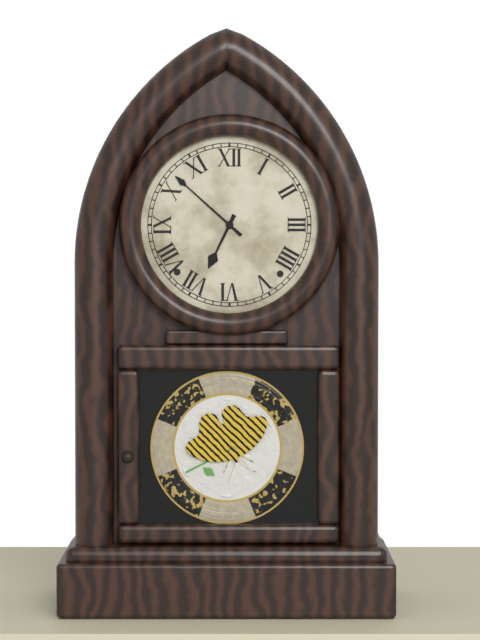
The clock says 6:52
